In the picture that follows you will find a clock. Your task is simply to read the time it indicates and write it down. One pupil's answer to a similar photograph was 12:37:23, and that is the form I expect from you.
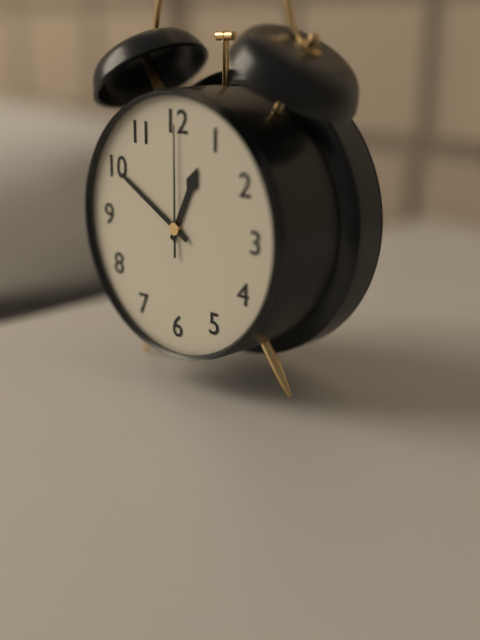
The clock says 12:50:00
